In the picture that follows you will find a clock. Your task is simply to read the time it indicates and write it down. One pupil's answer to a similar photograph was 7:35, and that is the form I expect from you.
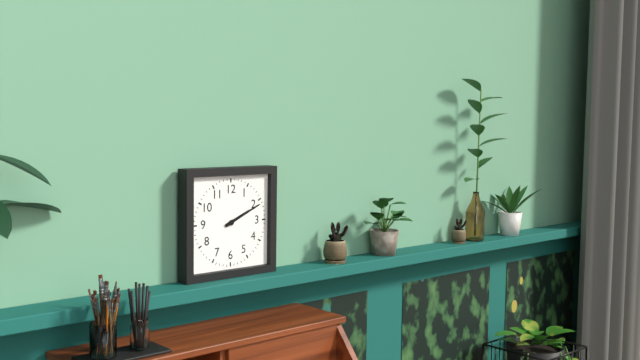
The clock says 2:11
